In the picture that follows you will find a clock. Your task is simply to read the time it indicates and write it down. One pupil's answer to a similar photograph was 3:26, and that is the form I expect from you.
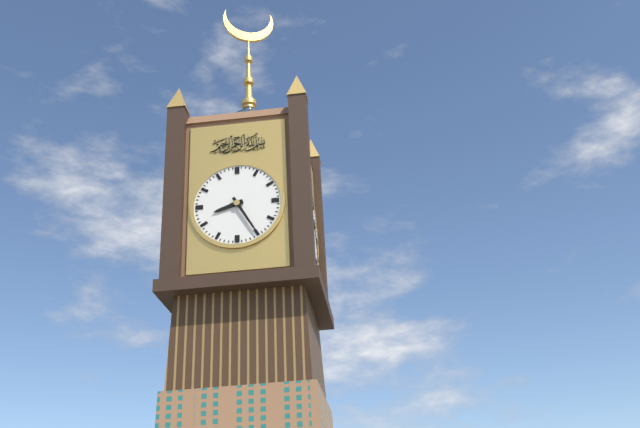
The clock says 8:25
